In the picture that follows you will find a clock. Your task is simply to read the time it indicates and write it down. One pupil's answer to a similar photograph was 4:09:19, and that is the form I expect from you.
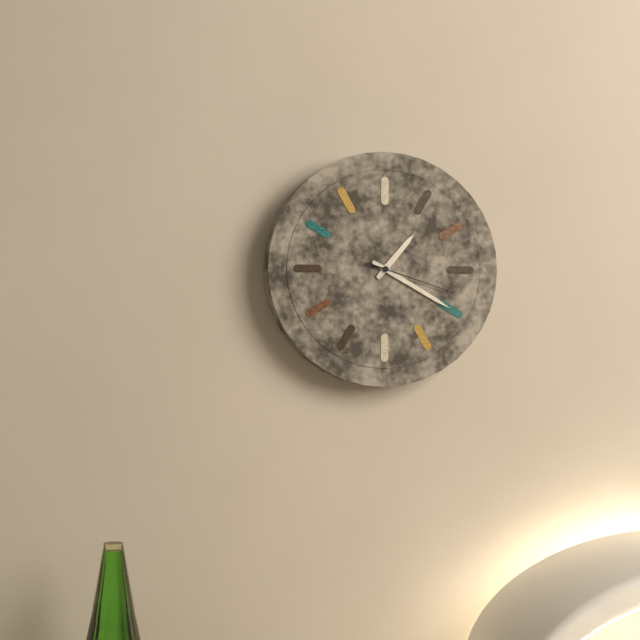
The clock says 1:20:18
